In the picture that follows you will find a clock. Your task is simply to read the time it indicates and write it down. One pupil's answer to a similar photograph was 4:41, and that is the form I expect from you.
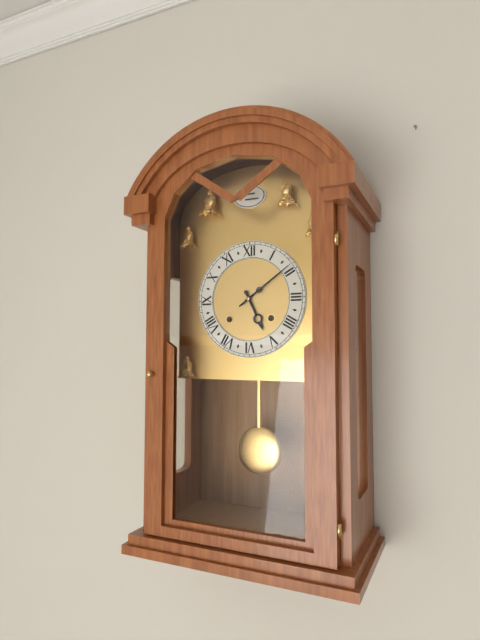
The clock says 5:09
